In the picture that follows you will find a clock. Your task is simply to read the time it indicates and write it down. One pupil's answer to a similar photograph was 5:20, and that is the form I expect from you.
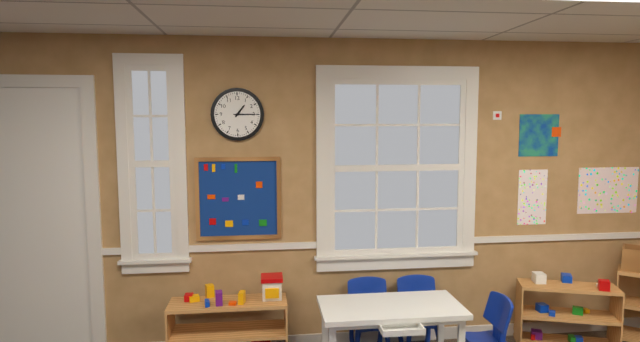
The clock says 1:15
